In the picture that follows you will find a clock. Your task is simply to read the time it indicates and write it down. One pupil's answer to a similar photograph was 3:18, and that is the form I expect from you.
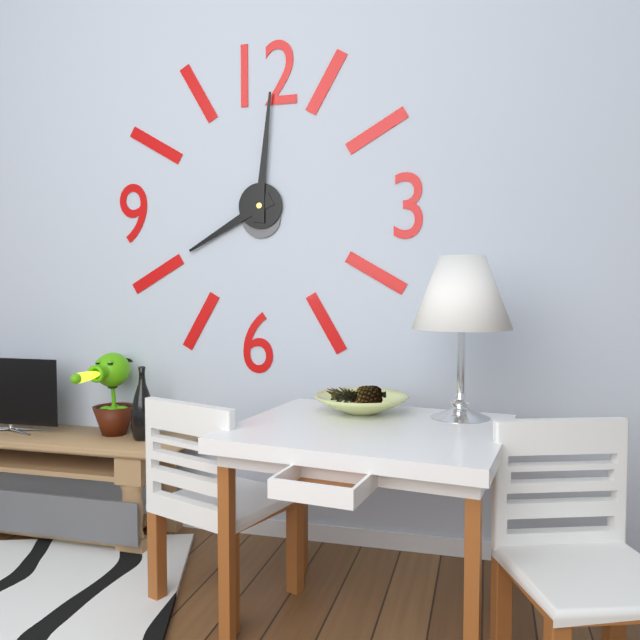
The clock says 8:01
